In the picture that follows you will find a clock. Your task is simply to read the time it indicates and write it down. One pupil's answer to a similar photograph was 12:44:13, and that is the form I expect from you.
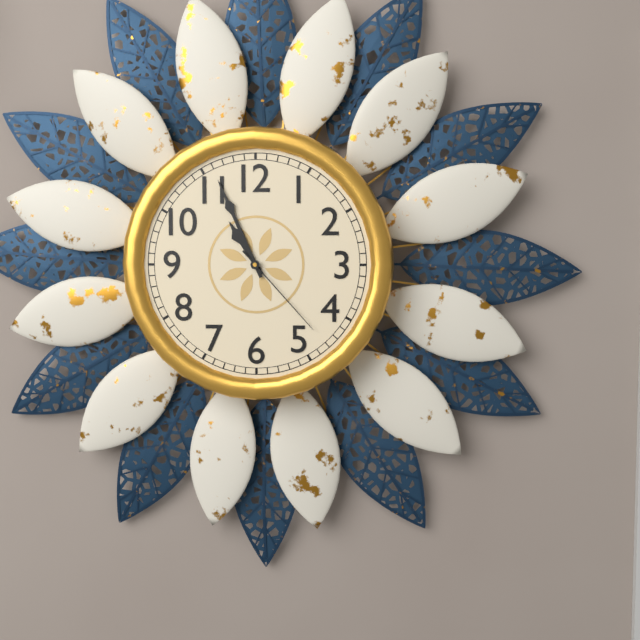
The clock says 10:56:23
